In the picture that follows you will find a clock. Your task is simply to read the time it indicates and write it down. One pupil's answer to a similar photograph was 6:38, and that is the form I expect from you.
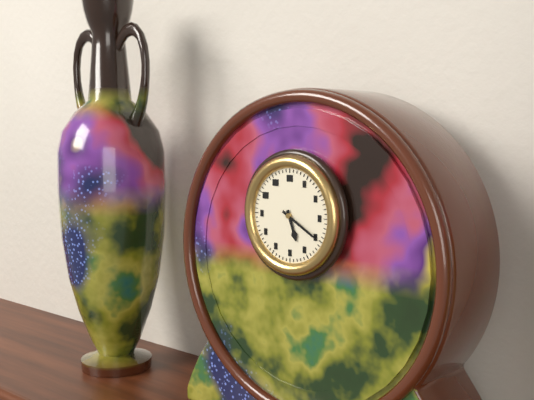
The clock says 5:20
